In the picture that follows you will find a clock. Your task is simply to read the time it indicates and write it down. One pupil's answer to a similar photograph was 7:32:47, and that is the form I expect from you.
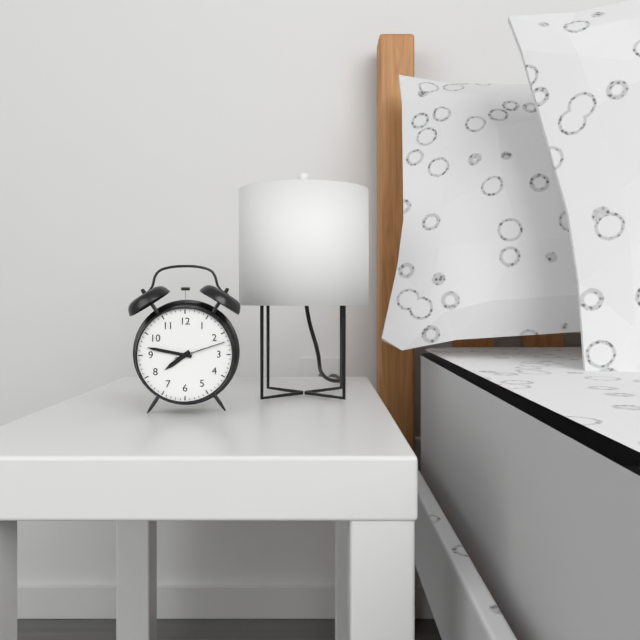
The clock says 7:47:12
